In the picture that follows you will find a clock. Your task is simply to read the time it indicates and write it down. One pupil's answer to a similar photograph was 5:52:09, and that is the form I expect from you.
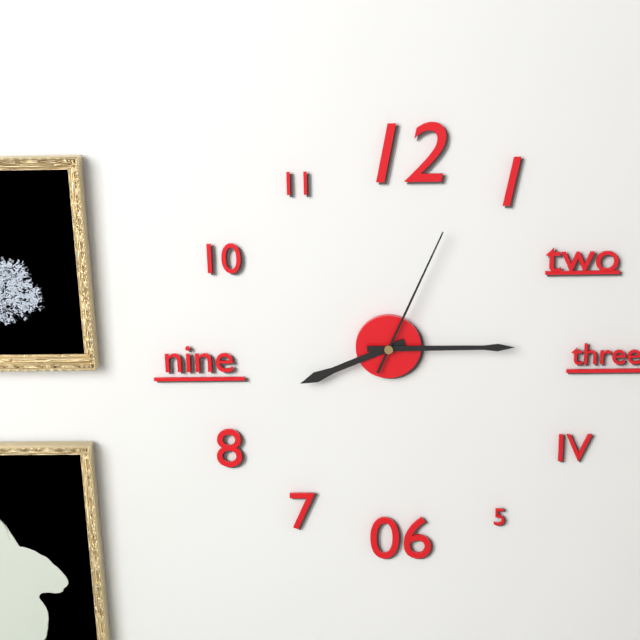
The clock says 8:15:04
